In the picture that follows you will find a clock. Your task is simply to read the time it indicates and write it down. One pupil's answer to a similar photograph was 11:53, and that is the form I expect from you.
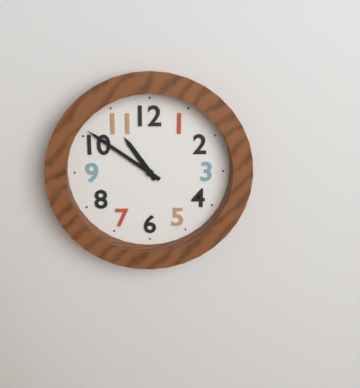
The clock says 10:51
